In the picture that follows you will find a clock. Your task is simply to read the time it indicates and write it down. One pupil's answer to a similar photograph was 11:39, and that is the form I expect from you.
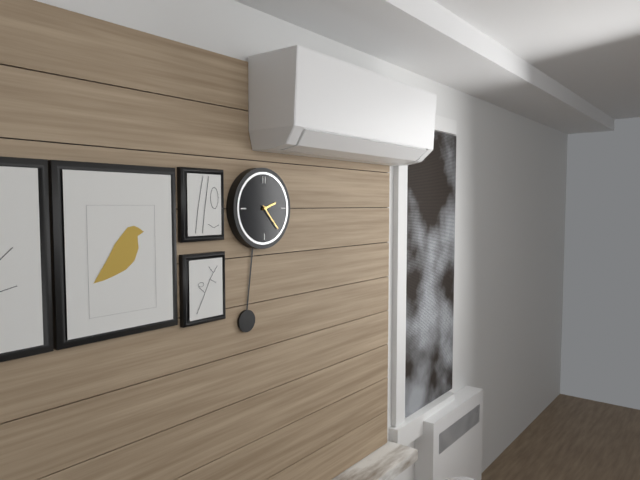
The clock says 2:23
